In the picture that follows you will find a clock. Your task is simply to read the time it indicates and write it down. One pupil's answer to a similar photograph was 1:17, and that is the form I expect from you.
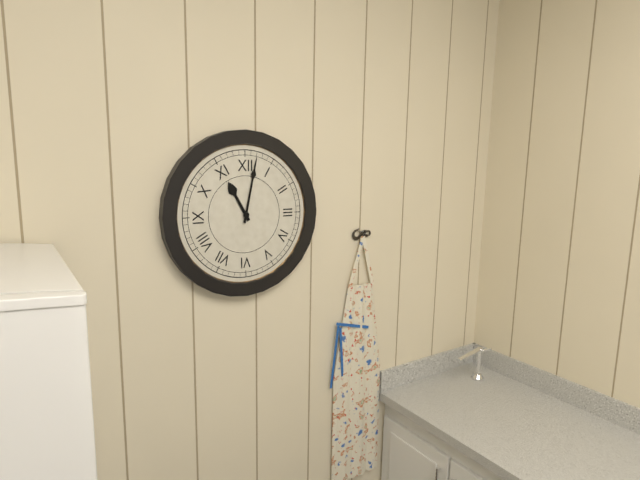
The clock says 11:02
